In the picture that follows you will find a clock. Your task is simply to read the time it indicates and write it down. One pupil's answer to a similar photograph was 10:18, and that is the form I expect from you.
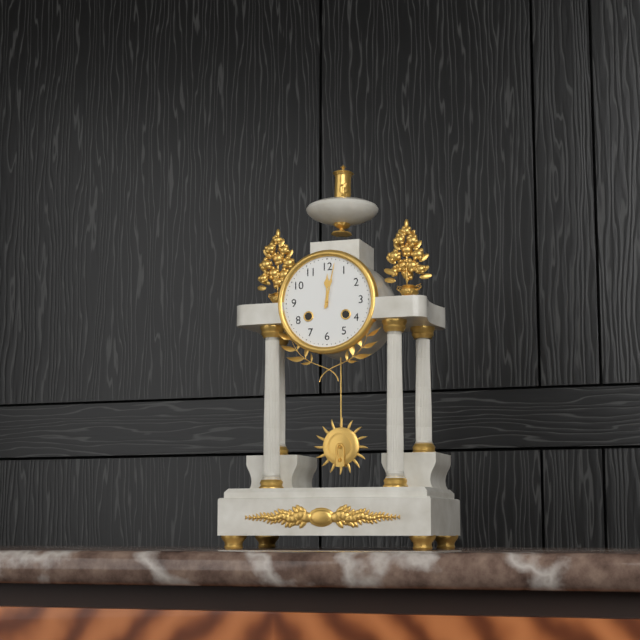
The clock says 12:02
